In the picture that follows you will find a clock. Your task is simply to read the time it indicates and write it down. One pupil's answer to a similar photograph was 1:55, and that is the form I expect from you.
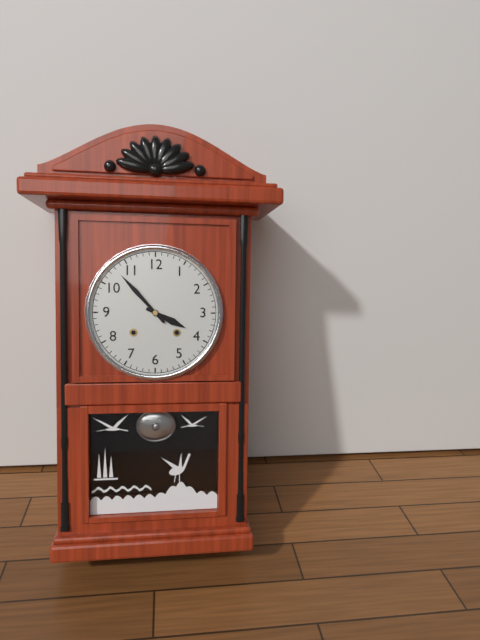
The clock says 3:53
